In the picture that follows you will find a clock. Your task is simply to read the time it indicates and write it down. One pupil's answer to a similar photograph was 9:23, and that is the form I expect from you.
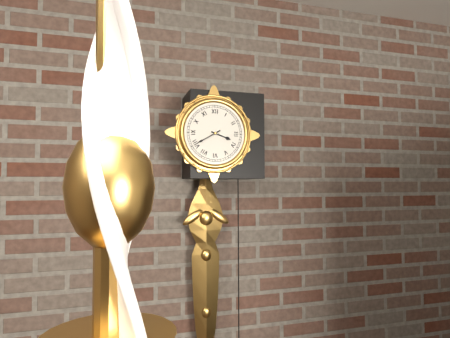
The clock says 3:40
